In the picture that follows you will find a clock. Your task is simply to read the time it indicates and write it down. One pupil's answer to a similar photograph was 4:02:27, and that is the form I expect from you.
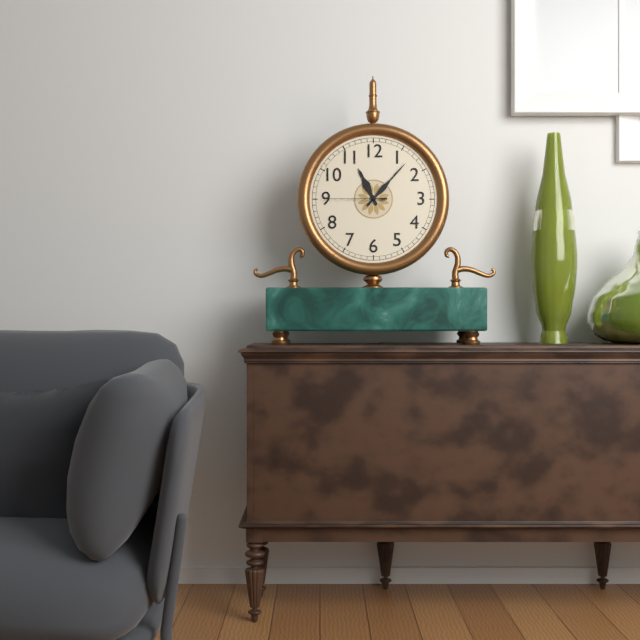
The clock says 11:07:45
